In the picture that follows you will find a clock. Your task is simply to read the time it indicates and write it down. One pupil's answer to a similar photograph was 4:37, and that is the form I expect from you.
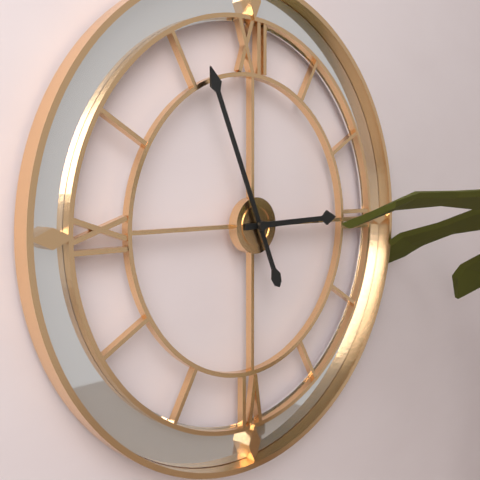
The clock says 2:56
